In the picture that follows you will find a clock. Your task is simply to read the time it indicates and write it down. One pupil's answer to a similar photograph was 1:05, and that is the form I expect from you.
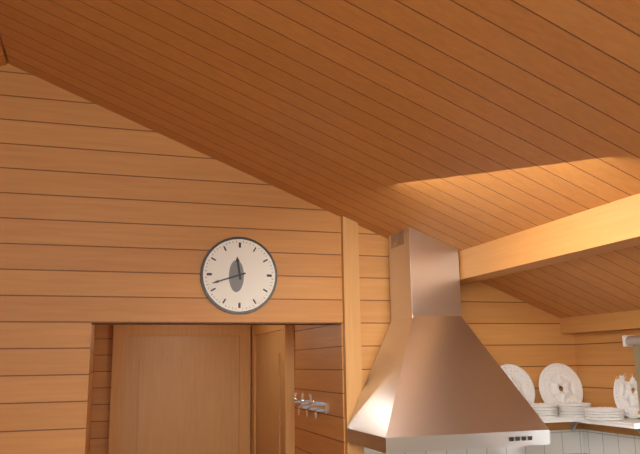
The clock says 11:42
